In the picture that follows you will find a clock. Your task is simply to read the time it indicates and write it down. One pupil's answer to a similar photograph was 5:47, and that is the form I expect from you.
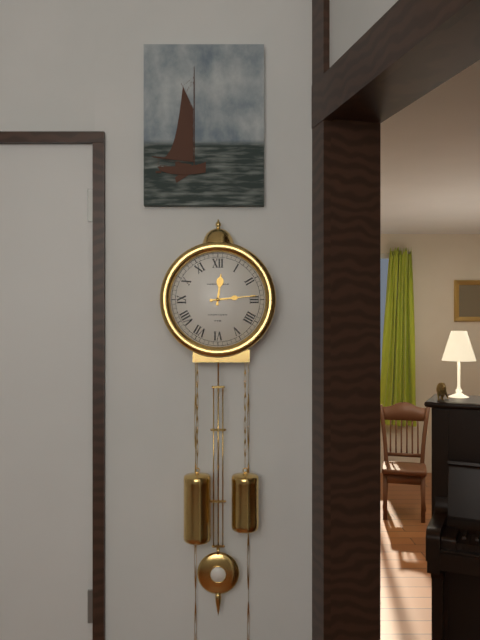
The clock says 12:14
